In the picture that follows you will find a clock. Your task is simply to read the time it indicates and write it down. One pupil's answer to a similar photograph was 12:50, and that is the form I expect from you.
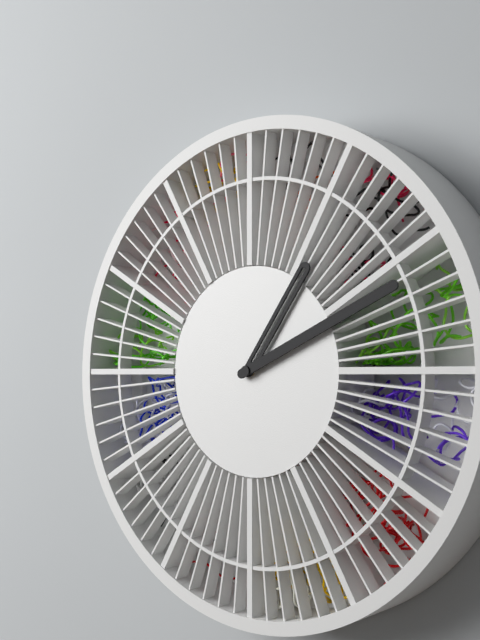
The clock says 1:11
